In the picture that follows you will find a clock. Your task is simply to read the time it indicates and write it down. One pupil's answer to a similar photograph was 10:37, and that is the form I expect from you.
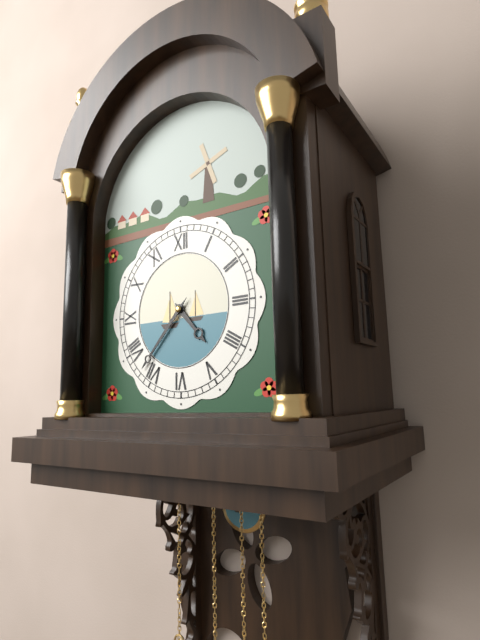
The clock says 4:37
